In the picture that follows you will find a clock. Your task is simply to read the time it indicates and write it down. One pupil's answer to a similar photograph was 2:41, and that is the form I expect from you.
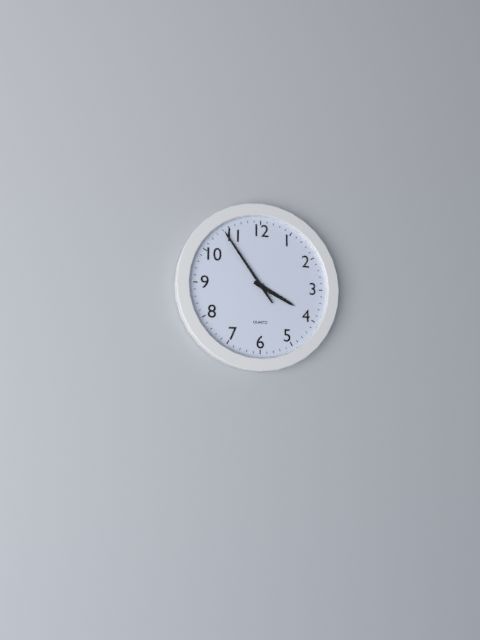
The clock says 3:54
